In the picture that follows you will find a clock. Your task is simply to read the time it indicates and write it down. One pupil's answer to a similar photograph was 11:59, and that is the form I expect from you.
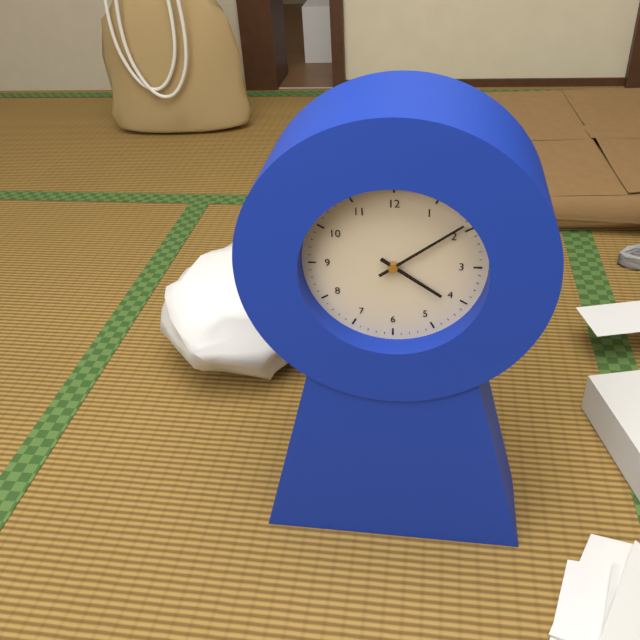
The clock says 4:09
